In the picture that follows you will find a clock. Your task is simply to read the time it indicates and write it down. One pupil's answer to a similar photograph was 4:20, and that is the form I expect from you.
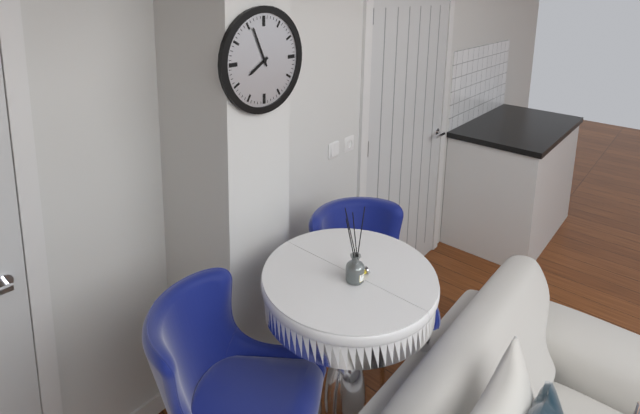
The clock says 7:56
